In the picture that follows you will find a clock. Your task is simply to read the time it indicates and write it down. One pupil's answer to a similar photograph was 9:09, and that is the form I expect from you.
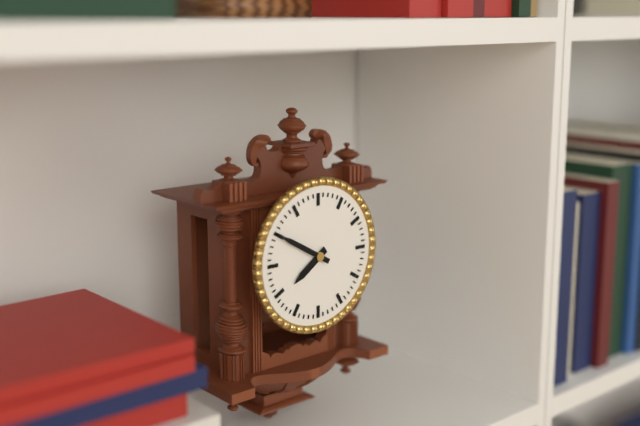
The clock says 7:50
